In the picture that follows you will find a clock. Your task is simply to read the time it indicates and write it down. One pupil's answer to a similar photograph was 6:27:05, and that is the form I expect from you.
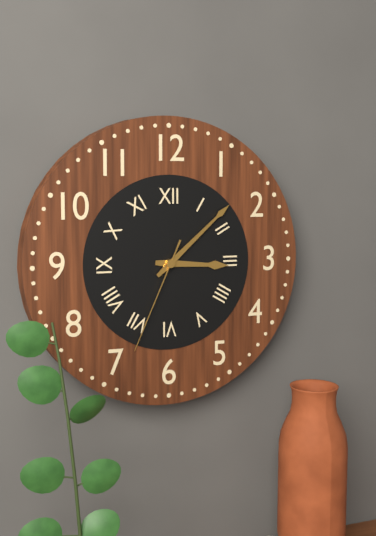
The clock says 3:08:34
